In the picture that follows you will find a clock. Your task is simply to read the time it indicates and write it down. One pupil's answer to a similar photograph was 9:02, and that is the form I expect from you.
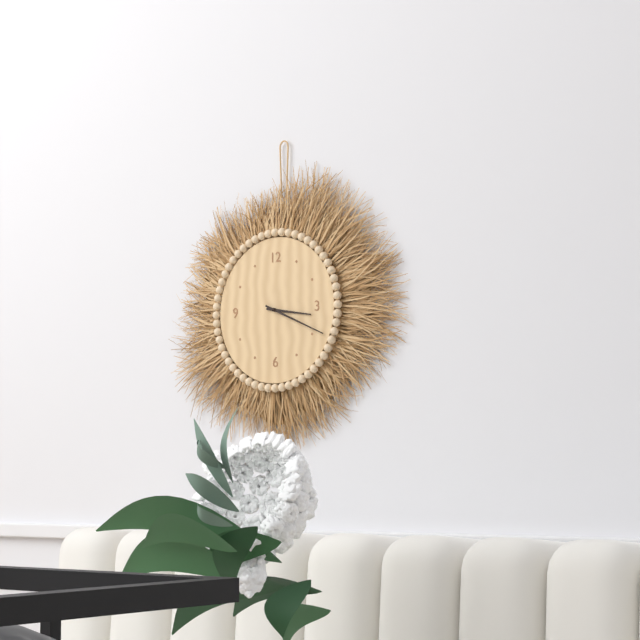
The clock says 3:19
